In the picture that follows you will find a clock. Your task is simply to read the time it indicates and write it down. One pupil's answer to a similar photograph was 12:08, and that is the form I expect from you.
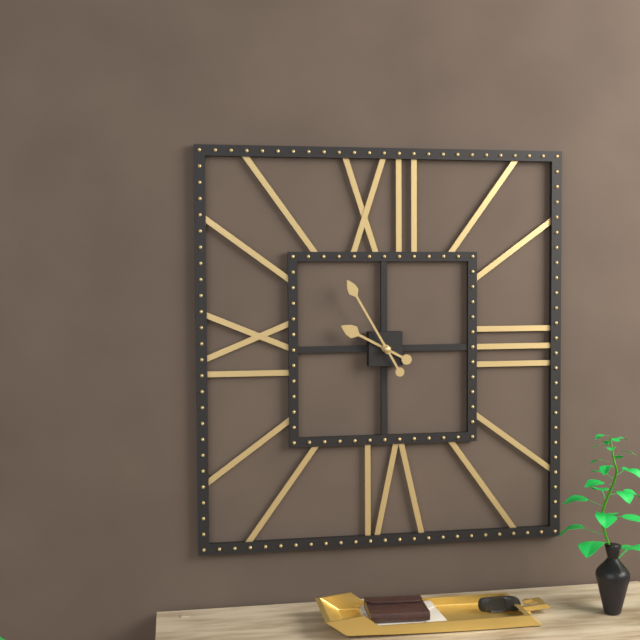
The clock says 9:55
